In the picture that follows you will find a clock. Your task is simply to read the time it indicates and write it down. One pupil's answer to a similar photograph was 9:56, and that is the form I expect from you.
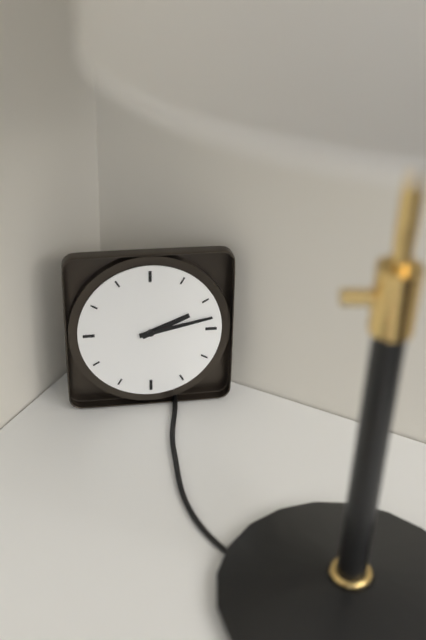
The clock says 2:13
